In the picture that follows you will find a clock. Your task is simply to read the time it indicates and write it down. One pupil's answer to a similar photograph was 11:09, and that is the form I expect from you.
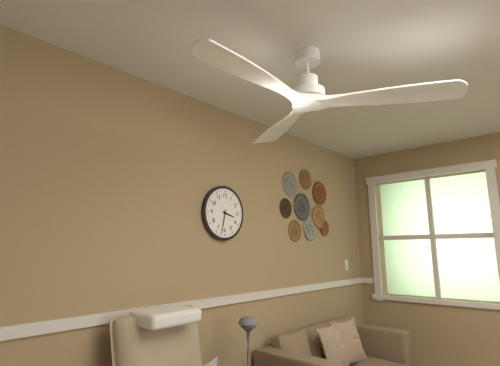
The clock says 3:32
